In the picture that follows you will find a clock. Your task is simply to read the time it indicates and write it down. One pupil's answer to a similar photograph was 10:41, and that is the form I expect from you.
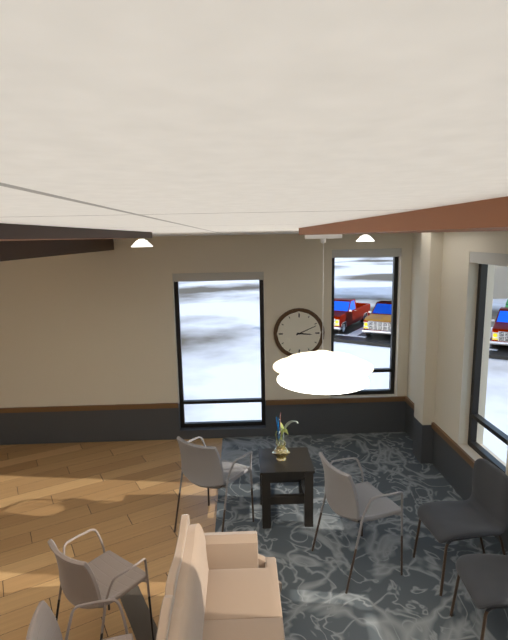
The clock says 3:11
